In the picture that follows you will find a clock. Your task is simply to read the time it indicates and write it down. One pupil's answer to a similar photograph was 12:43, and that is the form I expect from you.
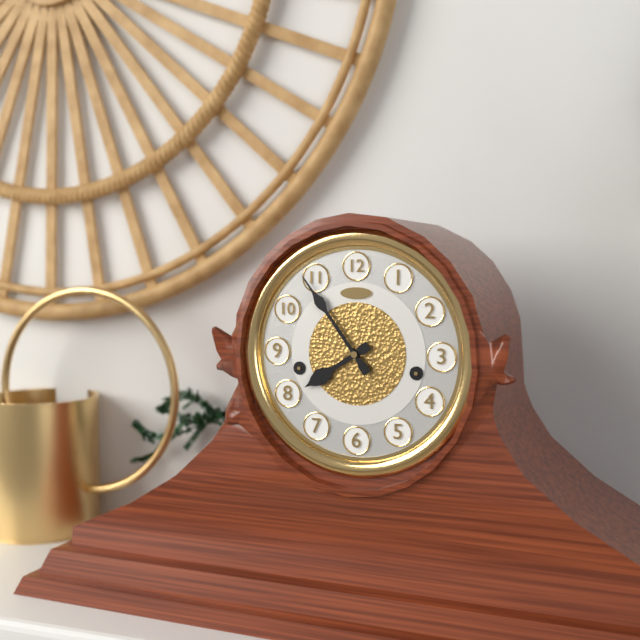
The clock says 7:54
